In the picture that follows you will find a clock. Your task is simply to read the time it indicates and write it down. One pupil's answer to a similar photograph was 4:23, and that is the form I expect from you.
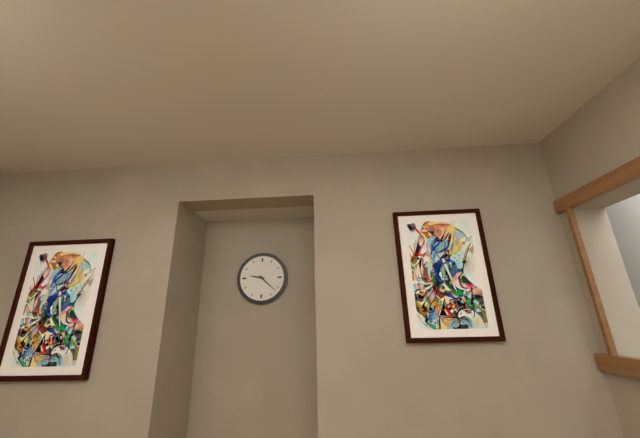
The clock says 9:22
